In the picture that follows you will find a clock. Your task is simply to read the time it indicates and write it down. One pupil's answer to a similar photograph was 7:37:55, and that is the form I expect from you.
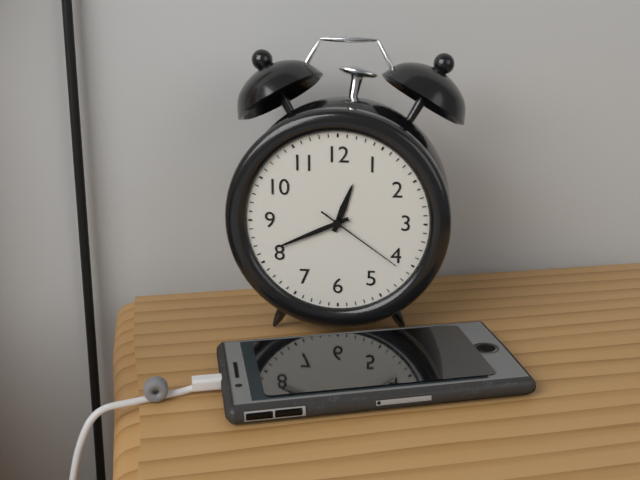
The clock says 12:41:21
